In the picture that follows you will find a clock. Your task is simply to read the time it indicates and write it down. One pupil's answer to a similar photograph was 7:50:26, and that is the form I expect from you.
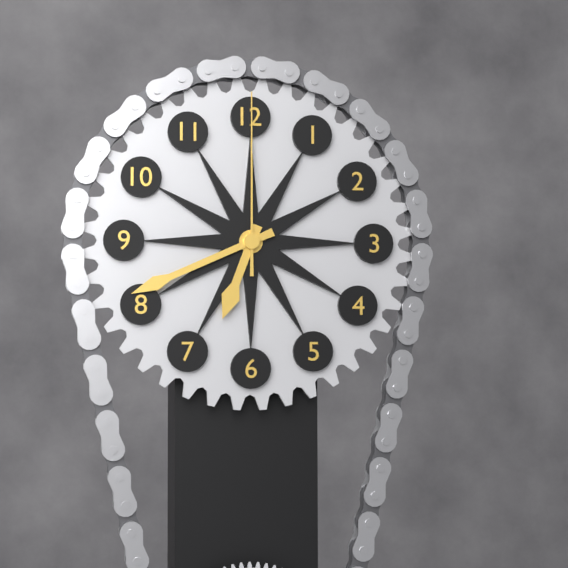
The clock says 6:41:00
